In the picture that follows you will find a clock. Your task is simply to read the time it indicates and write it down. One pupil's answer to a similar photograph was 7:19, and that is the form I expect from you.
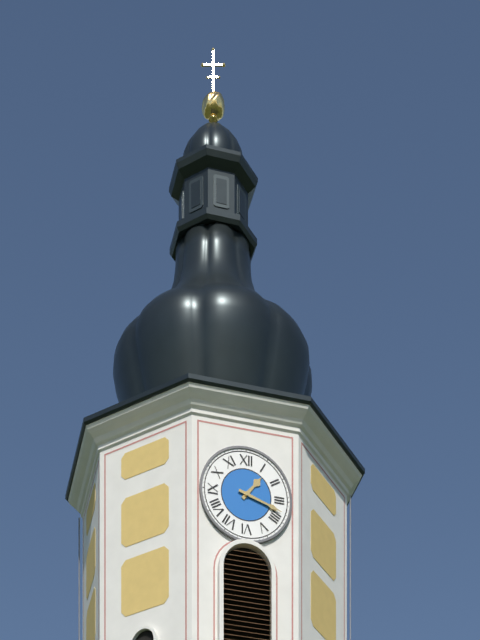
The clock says 1:18
